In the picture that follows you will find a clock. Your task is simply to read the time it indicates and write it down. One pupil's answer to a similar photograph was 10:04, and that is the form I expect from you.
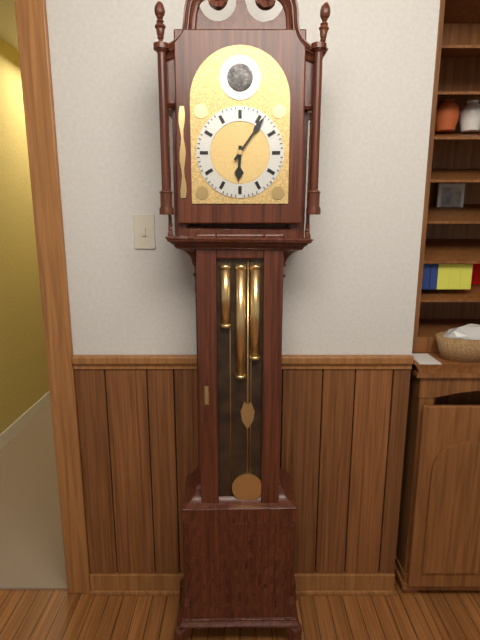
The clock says 6:06
